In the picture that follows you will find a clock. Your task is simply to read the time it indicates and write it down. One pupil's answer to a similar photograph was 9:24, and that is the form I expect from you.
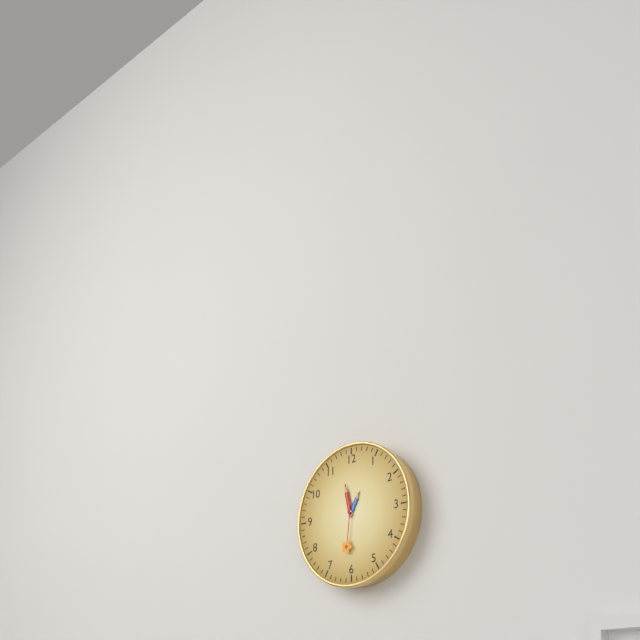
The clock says 12:58
